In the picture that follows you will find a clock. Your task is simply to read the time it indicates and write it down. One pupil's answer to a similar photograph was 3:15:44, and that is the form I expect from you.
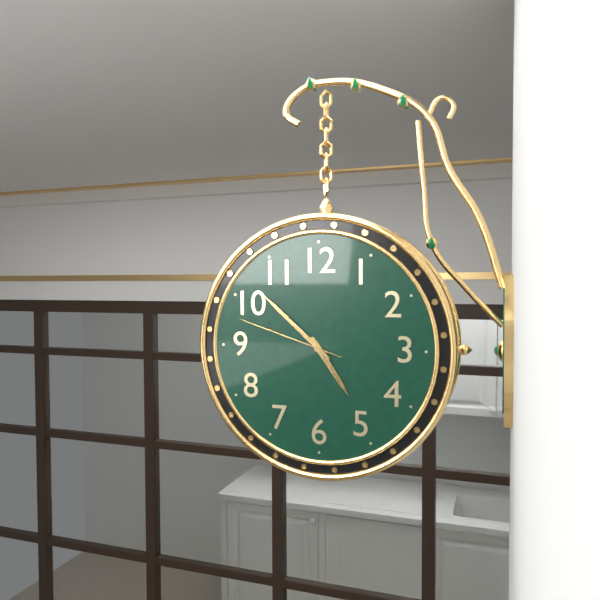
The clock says 4:52:48
